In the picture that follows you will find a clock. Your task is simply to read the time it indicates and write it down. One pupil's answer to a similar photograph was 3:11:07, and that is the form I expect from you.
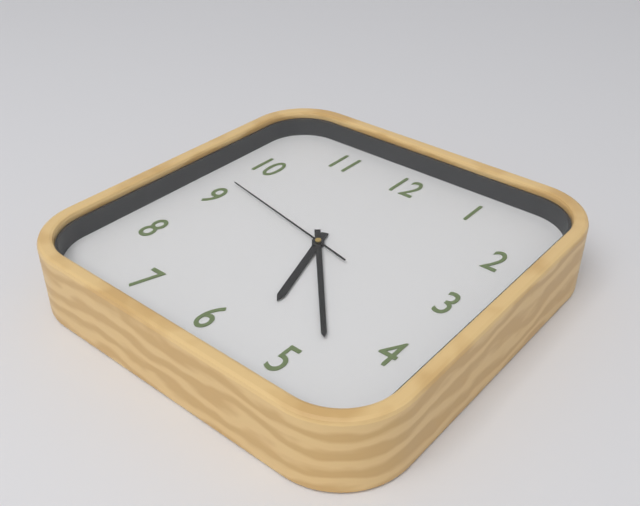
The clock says 5:23:47
